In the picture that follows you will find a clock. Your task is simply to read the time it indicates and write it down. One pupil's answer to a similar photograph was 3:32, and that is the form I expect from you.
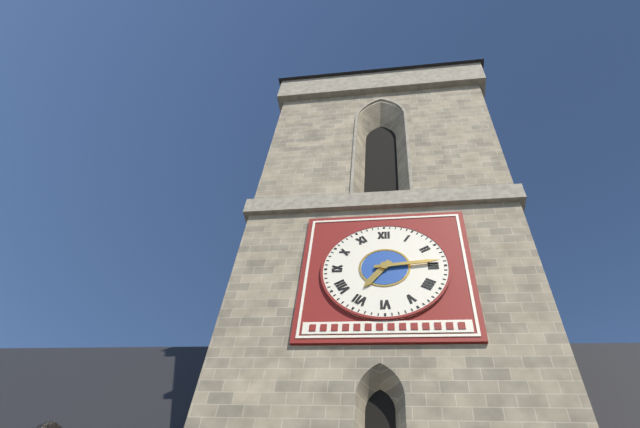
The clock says 7:14
